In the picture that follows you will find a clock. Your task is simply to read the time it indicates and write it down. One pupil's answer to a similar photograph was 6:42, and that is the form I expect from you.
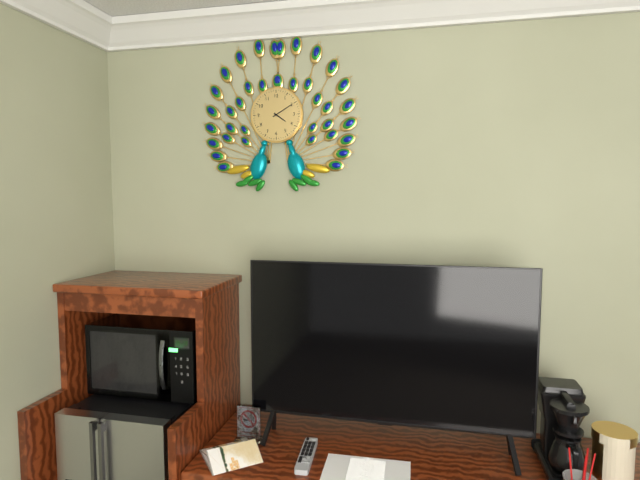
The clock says 4:10
